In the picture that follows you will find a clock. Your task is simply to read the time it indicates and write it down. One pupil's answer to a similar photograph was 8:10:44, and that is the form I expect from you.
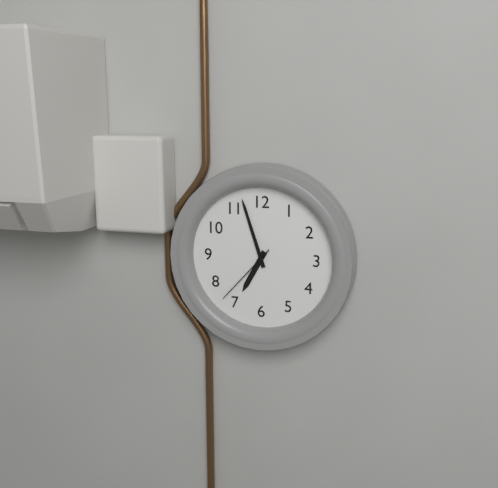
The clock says 6:57:37
